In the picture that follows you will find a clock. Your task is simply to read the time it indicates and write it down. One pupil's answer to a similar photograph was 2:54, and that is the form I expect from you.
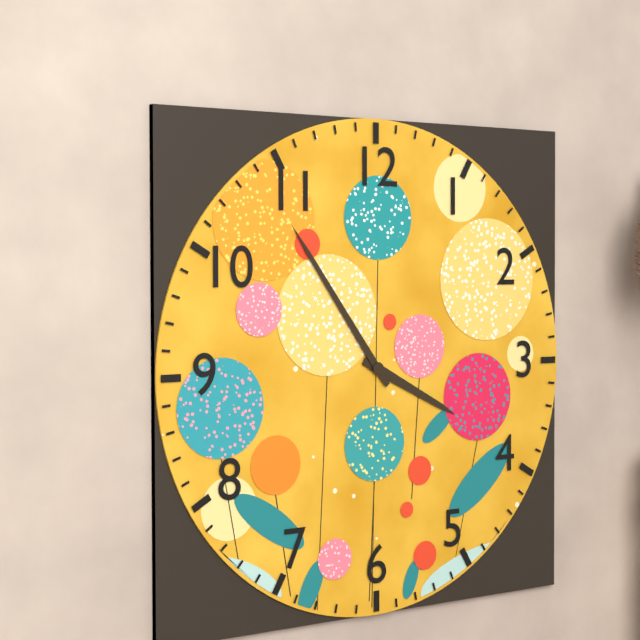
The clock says 3:54
